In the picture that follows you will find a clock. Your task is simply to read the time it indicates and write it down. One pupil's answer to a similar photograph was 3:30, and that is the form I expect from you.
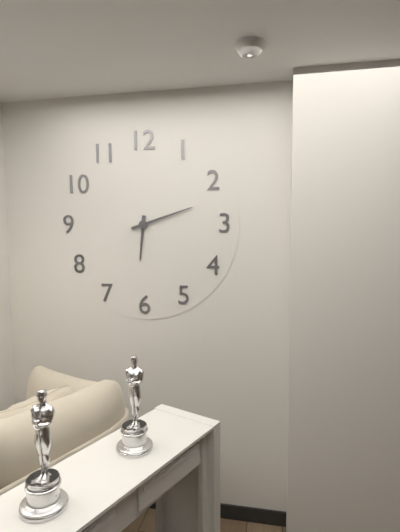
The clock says 6:12
